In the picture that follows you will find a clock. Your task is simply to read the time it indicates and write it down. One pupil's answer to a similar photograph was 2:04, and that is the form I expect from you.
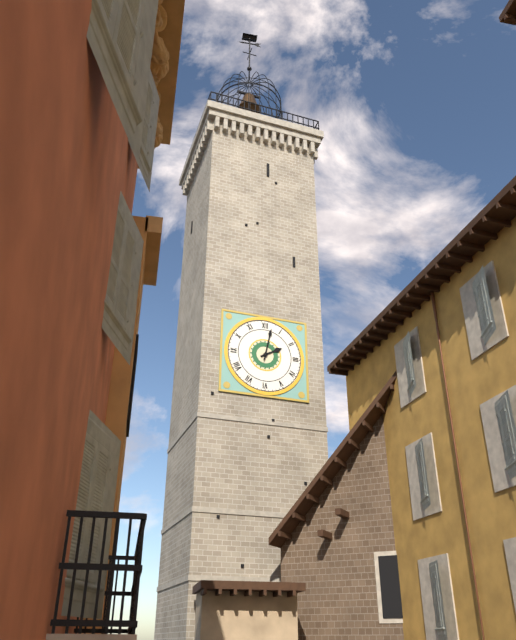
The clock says 2:02
